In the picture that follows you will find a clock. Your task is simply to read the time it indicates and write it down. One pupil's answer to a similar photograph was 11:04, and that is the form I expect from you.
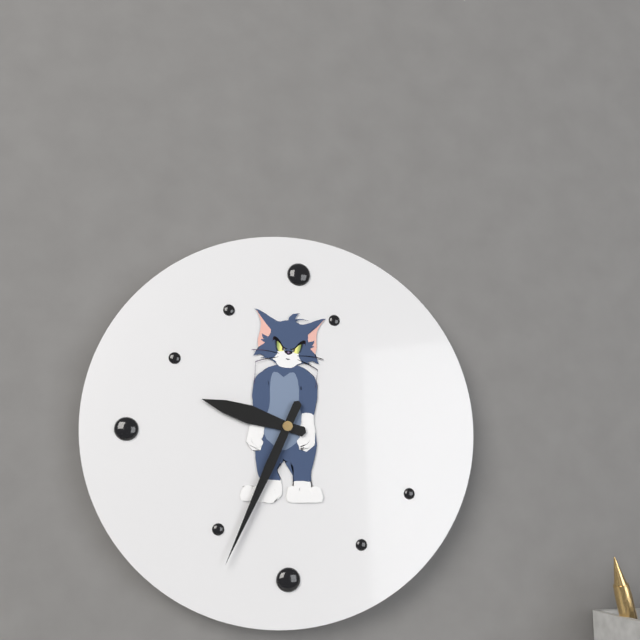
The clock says 9:34
